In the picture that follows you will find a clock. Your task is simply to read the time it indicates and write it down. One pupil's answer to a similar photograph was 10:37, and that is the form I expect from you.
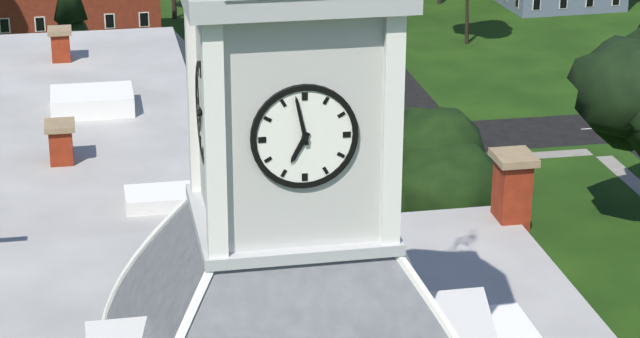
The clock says 6:58
